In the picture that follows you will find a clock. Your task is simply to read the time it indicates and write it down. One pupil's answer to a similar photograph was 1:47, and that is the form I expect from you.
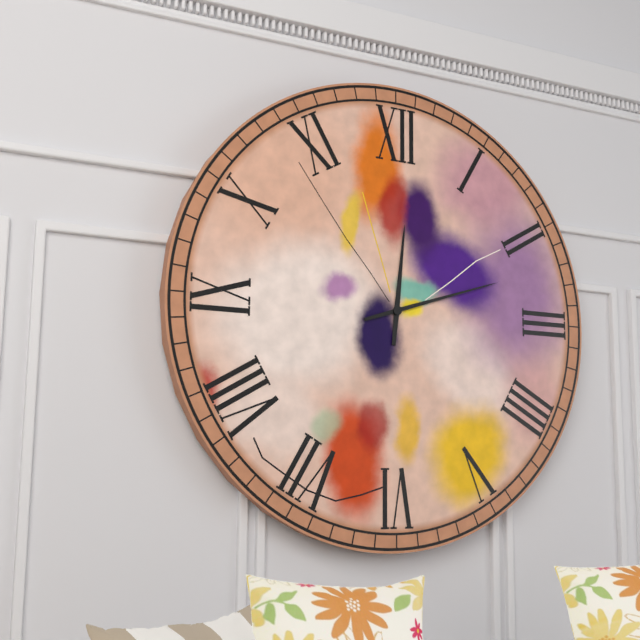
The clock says 12:12
